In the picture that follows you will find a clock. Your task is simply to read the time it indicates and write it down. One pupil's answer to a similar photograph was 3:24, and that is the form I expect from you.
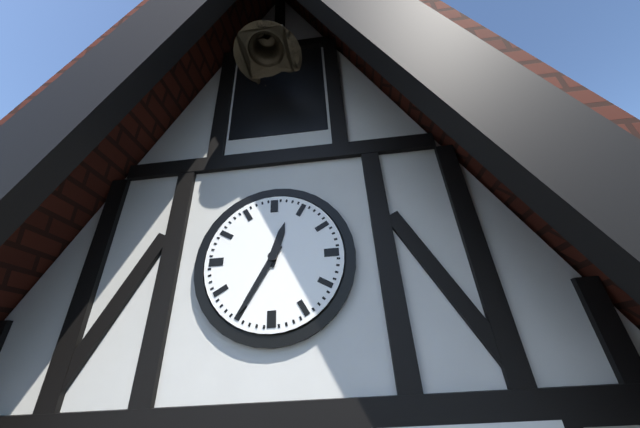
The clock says 12:35
